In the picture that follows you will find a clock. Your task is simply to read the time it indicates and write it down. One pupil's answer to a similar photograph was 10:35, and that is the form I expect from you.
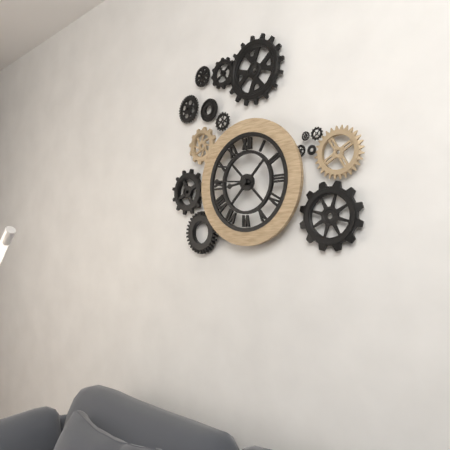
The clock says 8:46
